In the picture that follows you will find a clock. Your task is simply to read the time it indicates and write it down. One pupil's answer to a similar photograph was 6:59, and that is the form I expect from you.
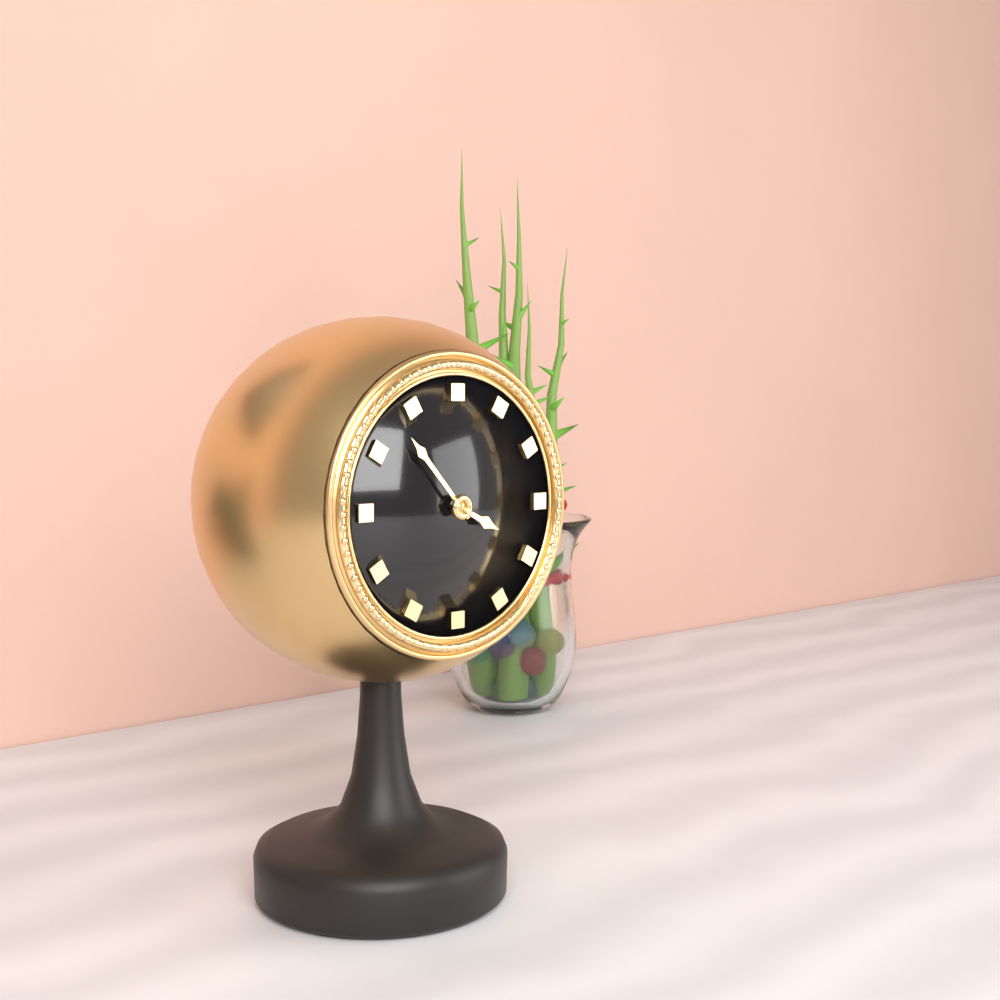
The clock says 3:53
